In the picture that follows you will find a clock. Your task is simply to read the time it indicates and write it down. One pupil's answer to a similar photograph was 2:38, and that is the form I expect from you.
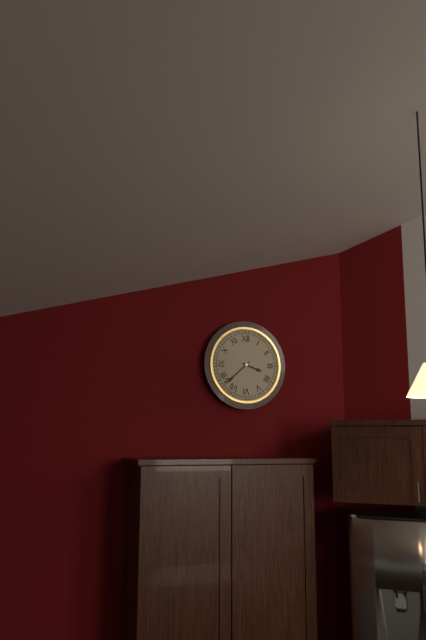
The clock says 3:38
